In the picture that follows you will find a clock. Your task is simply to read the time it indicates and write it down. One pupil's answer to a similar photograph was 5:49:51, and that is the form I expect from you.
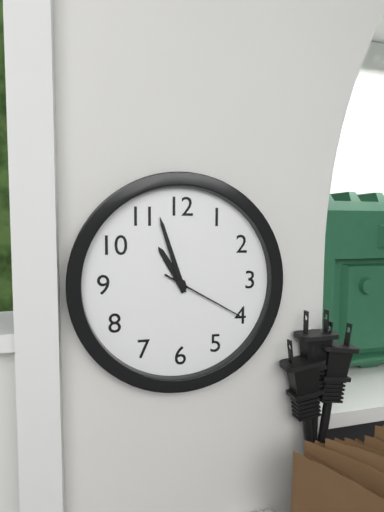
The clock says 10:57:20
